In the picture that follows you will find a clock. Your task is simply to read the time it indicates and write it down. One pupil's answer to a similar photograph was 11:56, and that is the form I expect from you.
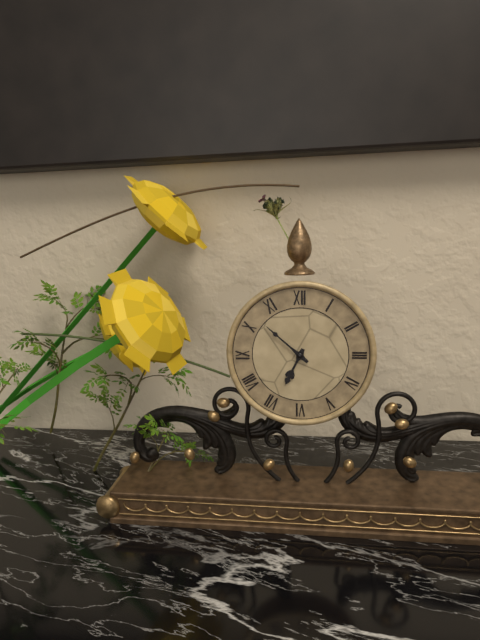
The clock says 6:52
